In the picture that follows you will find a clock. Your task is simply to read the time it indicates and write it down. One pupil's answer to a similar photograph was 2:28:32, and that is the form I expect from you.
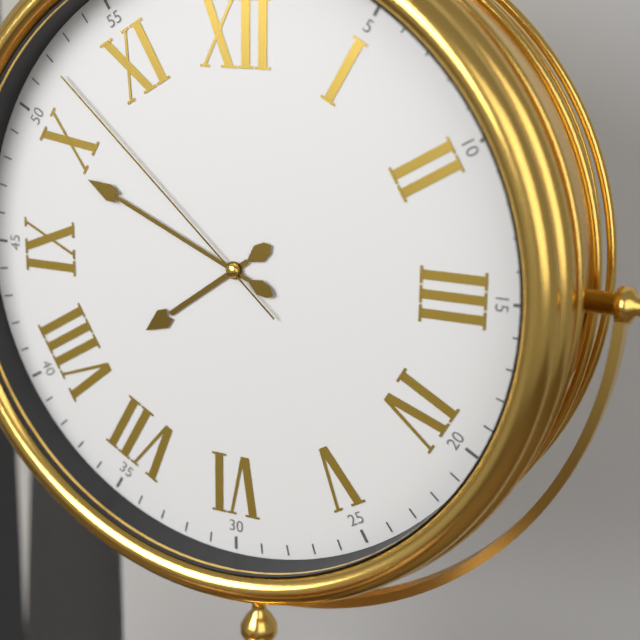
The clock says 7:49:52
